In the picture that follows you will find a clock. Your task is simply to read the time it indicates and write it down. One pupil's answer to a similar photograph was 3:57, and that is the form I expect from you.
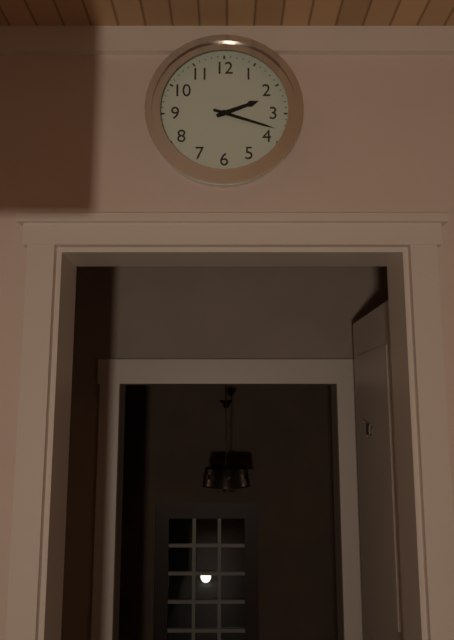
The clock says 2:18
